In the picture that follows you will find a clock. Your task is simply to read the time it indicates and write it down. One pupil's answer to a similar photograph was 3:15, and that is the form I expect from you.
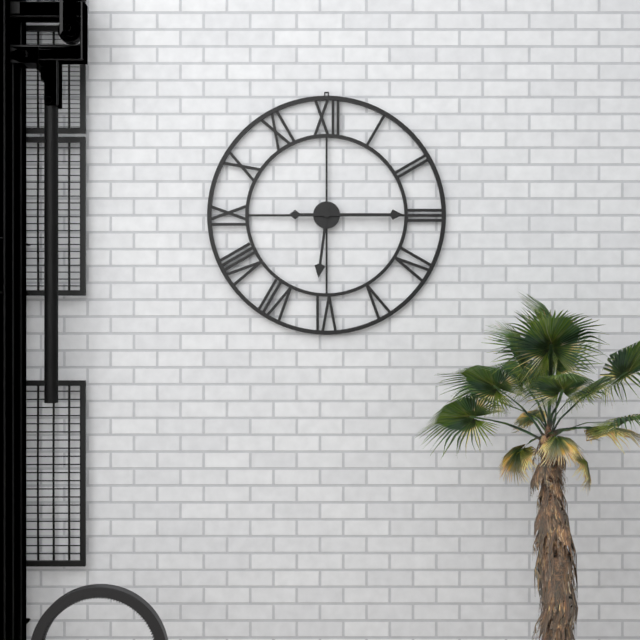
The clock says 6:15
